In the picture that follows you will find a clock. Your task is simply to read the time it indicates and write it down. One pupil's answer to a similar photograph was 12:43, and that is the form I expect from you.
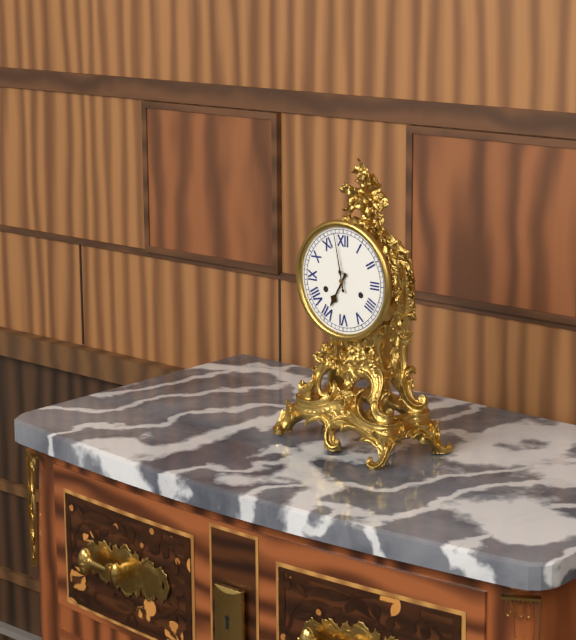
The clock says 6:58
